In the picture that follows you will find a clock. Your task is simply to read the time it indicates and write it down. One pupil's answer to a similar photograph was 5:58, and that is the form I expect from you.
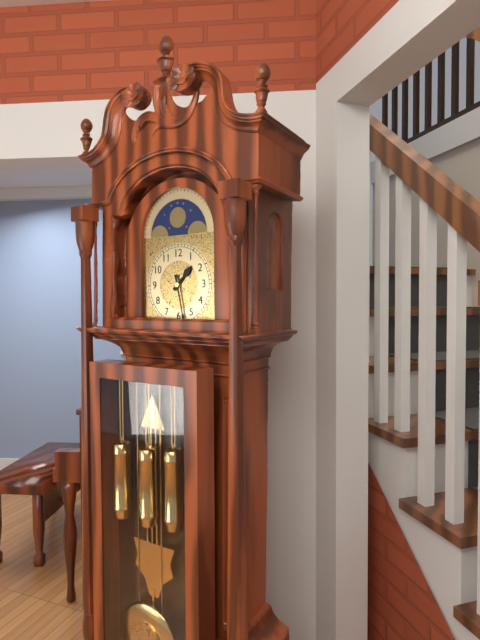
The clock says 1:28
